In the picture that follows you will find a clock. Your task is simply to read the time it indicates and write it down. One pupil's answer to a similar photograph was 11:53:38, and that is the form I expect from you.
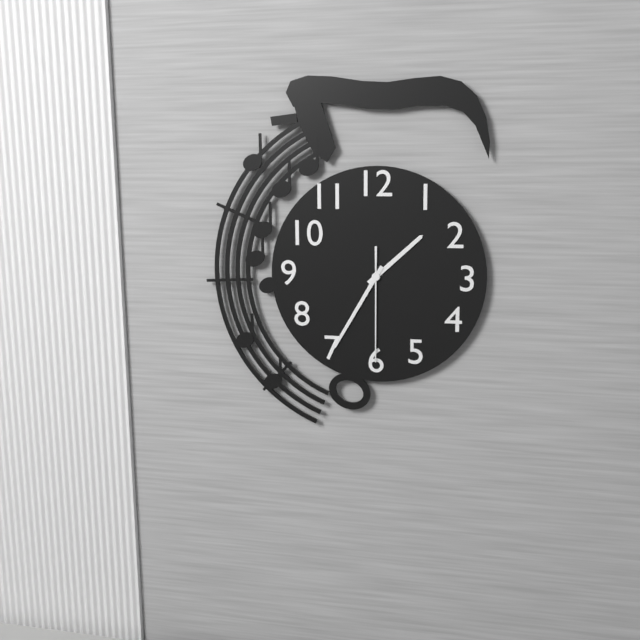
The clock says 1:35:30
